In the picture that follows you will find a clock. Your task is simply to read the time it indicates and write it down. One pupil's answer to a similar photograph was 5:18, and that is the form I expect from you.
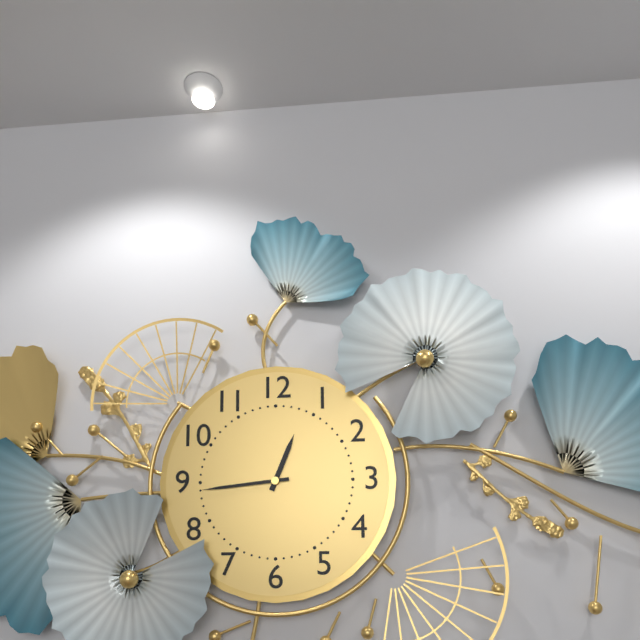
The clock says 12:44
